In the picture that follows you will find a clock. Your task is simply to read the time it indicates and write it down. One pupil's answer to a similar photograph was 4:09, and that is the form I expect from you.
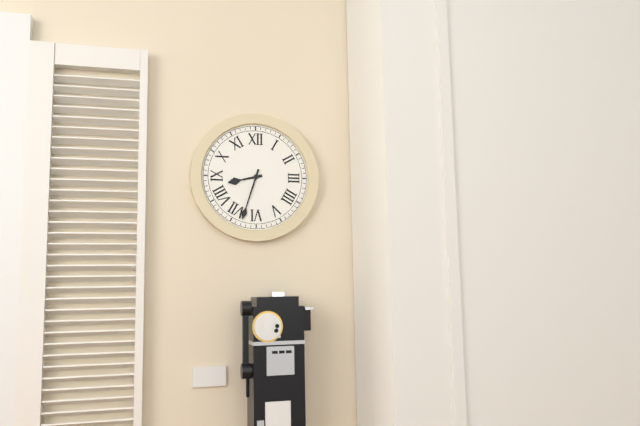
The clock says 8:33
